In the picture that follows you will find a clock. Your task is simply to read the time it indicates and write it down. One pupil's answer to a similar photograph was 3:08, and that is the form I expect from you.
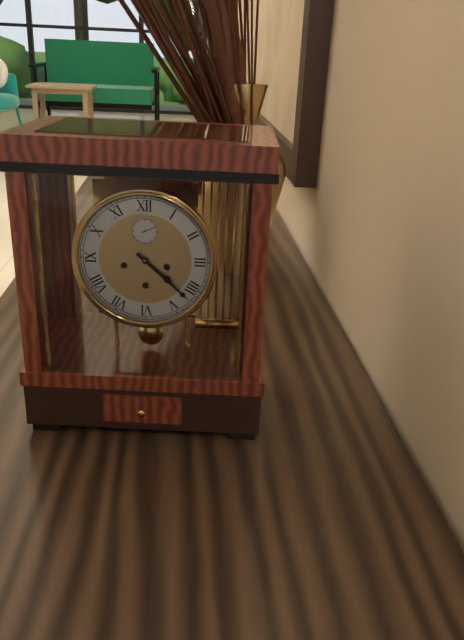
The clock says 4:22
